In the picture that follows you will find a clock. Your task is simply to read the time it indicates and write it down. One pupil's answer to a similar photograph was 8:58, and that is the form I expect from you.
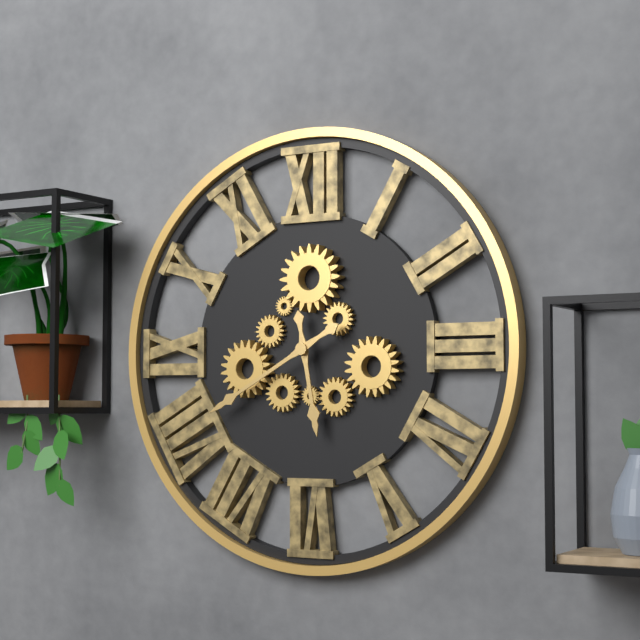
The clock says 5:40
